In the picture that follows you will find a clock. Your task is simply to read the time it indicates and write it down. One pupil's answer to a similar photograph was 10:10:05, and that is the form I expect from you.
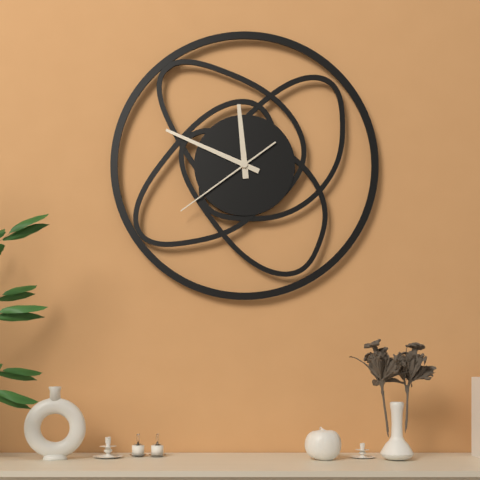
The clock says 11:49:39
